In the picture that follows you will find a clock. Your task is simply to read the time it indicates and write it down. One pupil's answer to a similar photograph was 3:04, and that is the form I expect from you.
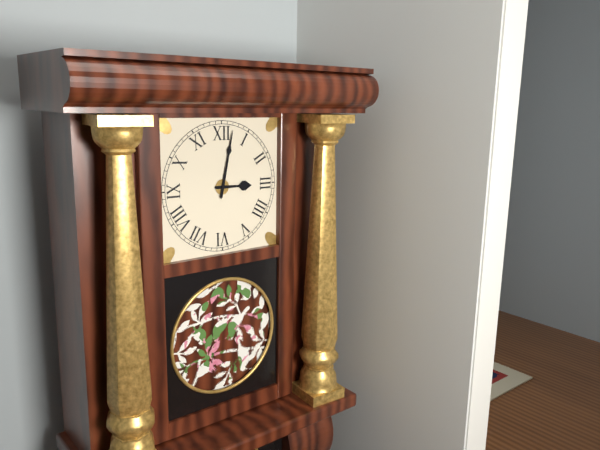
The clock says 3:02
